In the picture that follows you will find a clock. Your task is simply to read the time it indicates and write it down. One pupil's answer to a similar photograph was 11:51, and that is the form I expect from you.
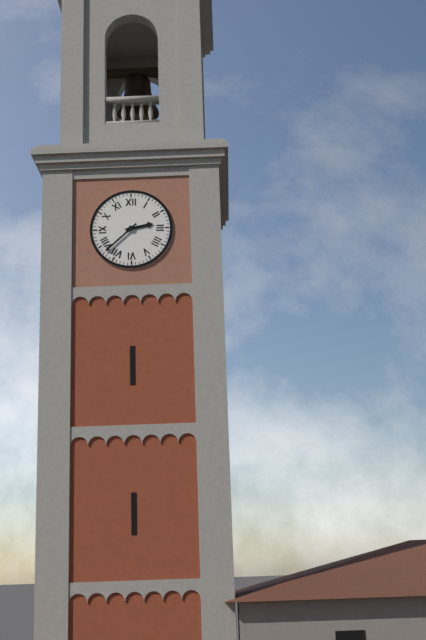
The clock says 2:38
